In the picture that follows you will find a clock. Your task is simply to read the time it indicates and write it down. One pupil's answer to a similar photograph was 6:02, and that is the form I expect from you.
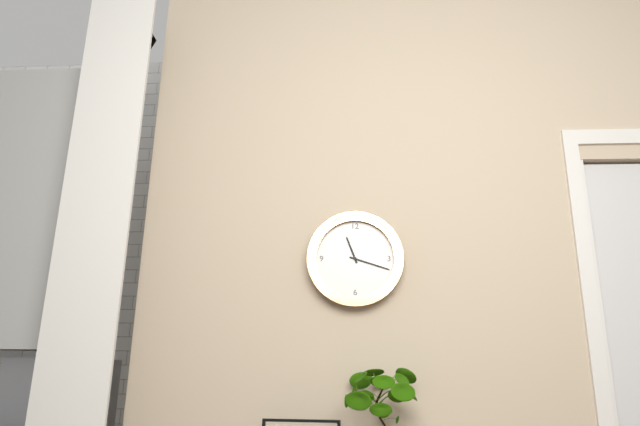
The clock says 11:18
